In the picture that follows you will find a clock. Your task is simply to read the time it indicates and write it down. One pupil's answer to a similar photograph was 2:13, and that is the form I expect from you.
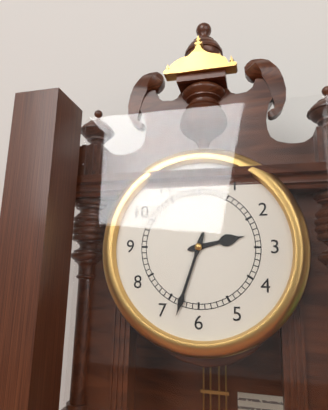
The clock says 2:33
